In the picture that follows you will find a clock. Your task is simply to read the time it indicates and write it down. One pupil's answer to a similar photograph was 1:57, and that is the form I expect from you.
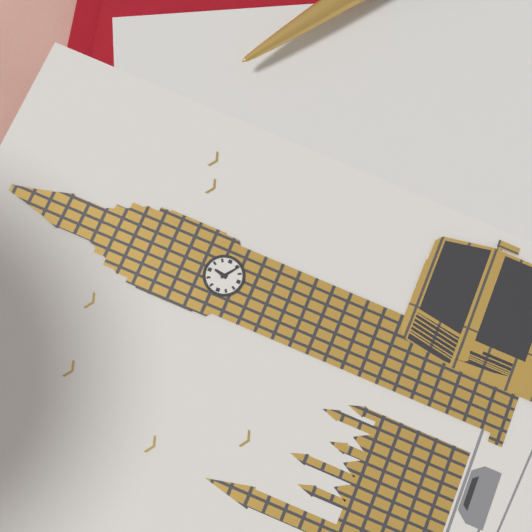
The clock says 12:21
